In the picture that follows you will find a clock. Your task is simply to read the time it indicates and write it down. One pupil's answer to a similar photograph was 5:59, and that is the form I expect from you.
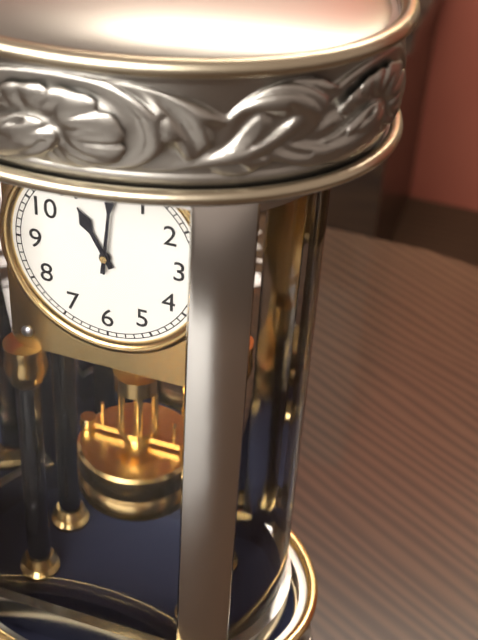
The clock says 11:01
